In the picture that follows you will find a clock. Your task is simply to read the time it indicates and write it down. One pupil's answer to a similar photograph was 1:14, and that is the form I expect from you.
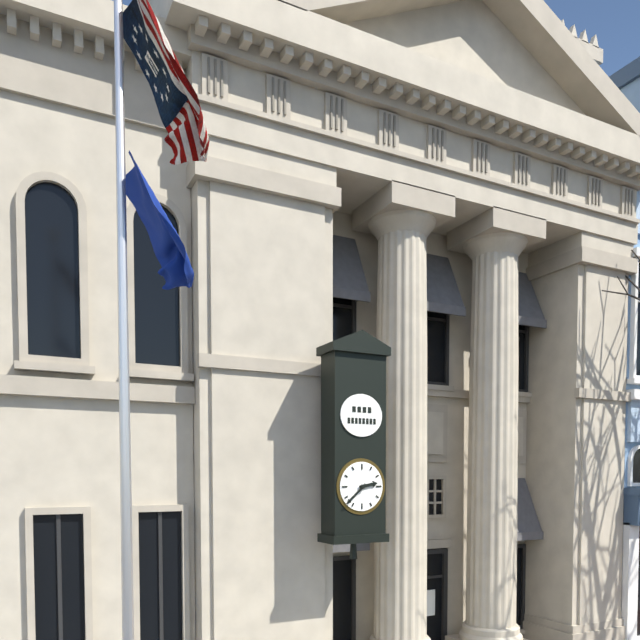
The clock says 2:38
